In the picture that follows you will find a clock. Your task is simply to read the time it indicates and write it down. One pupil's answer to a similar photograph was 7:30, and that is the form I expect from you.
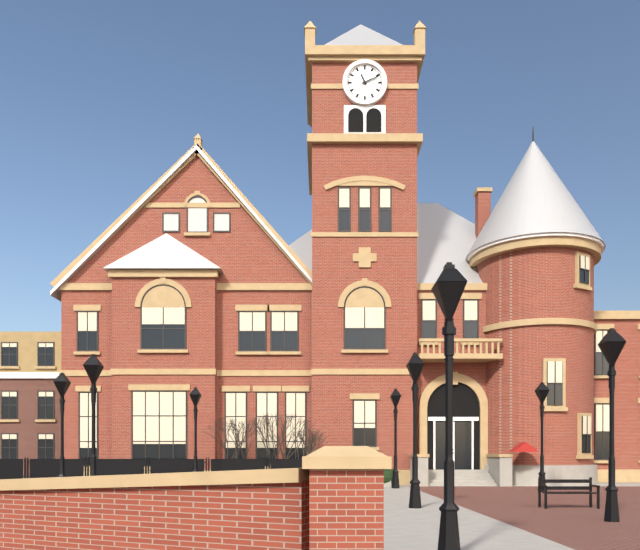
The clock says 11:11
